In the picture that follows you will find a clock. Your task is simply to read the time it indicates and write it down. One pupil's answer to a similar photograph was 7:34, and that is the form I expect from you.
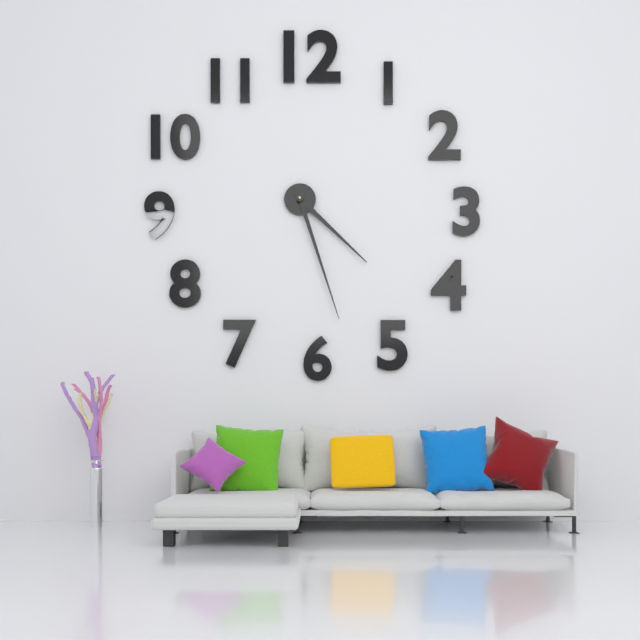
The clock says 4:27
